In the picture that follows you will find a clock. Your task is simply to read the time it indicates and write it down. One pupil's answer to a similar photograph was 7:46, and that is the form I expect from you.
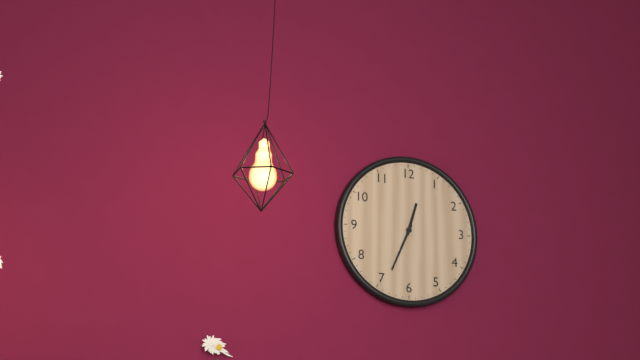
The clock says 12:34
